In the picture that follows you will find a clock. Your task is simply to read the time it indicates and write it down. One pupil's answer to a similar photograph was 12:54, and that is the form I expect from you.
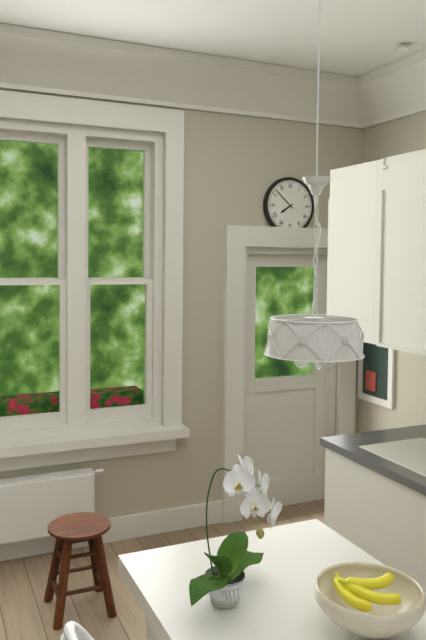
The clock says 7:52
